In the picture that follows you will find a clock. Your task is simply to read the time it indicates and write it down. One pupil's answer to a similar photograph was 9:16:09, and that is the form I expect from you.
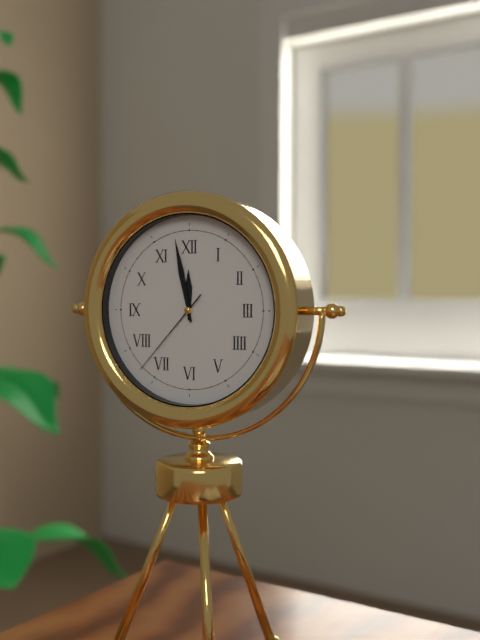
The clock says 11:58:37
